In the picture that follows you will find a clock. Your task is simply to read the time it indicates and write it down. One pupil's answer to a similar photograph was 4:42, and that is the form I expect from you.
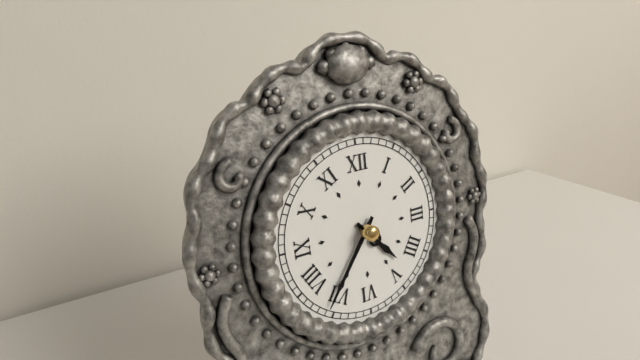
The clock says 4:36
